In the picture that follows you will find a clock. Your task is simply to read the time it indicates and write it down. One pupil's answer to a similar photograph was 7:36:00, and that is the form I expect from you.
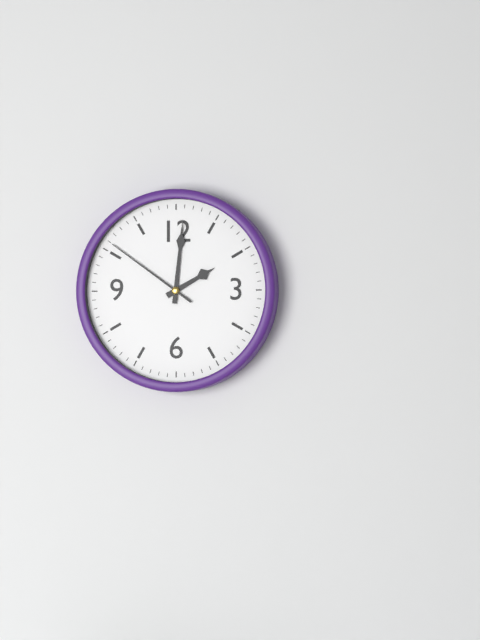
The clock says 2:01:51
